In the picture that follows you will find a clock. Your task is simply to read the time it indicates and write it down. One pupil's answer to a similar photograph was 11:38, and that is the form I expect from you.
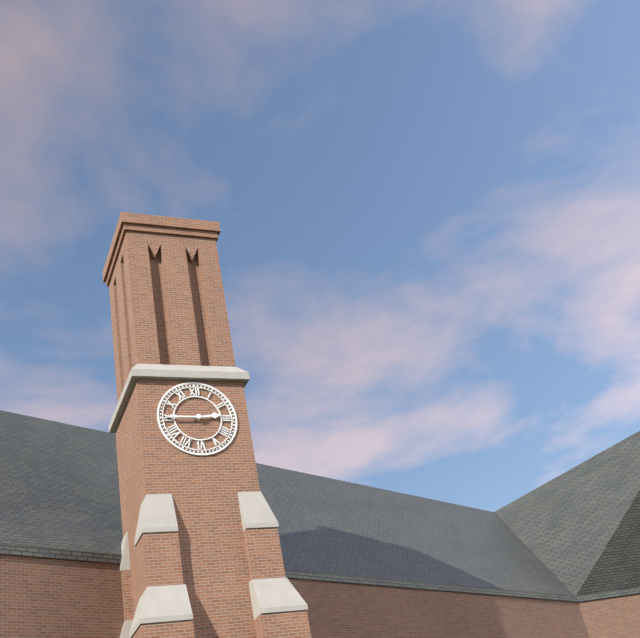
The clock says 2:45
